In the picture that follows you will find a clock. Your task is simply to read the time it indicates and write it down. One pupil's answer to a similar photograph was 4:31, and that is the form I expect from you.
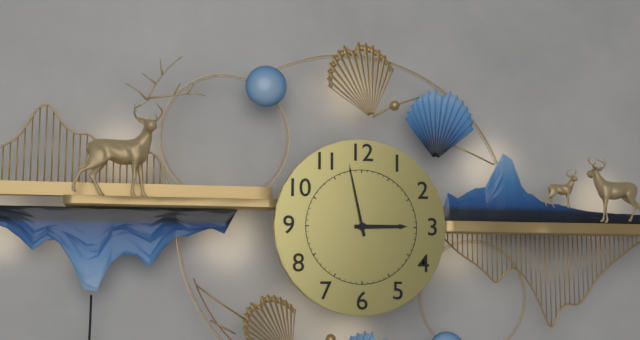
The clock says 2:58
